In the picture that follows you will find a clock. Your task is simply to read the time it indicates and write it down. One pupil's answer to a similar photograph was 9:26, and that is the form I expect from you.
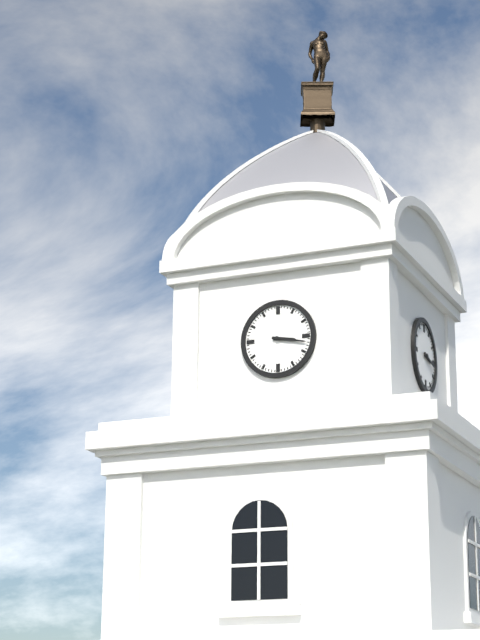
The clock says 3:17
